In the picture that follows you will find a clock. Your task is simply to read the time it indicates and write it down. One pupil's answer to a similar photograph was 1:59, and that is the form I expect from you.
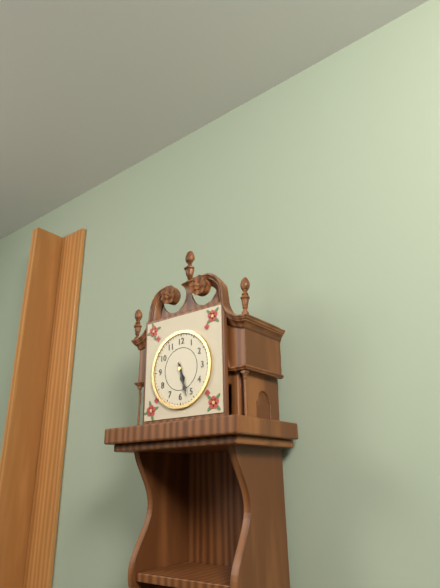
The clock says 5:27
